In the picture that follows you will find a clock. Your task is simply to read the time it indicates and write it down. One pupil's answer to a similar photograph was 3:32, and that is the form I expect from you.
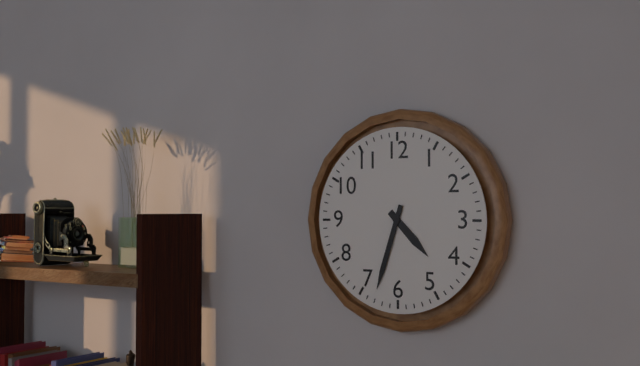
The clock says 4:33
